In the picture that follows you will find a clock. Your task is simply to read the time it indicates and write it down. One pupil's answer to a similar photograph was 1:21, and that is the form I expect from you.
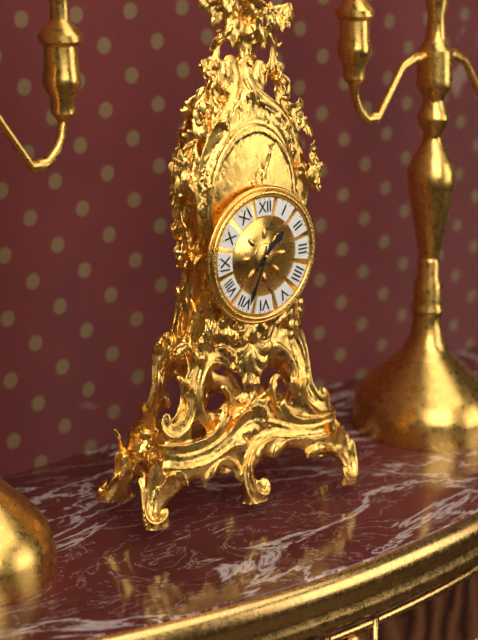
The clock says 1:34
